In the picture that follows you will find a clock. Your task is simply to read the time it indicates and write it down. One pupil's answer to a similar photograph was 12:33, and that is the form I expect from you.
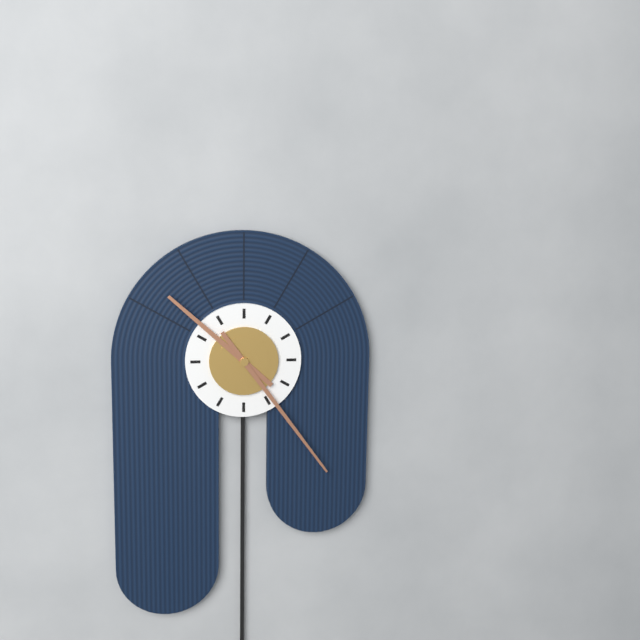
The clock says 10:24
